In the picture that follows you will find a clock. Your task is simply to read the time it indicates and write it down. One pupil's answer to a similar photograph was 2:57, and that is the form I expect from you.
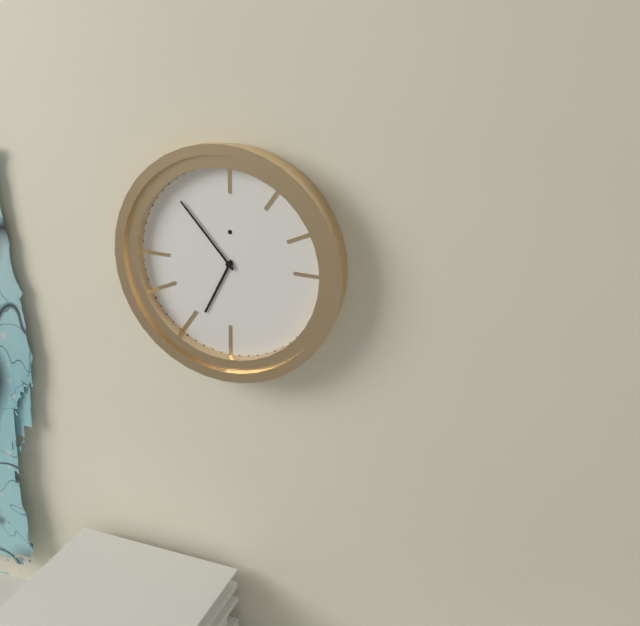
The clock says 6:53
